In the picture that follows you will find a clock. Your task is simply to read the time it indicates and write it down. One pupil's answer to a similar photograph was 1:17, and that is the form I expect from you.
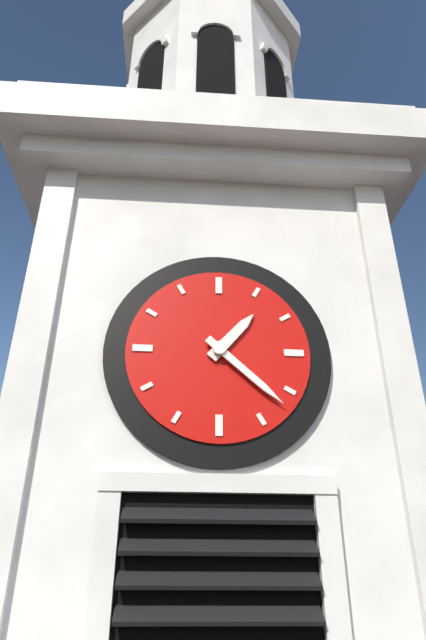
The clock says 1:22
